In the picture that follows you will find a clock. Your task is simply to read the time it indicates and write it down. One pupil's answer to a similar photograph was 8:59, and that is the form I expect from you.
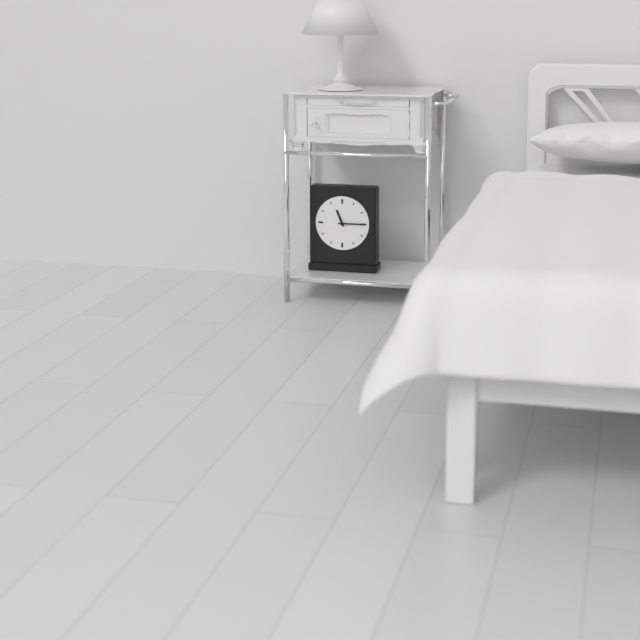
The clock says 11:15
